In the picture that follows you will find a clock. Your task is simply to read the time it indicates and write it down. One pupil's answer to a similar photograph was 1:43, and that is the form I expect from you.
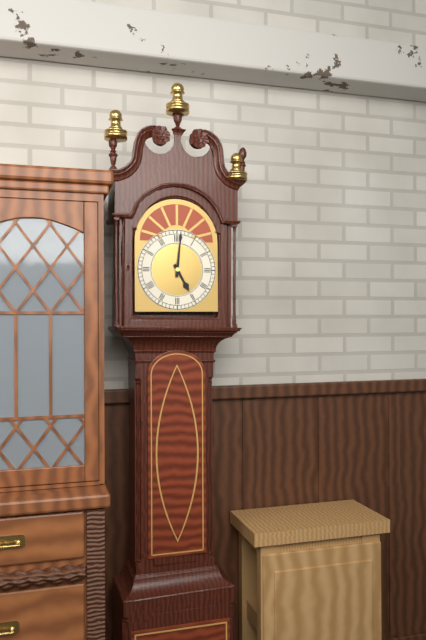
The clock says 5:01
